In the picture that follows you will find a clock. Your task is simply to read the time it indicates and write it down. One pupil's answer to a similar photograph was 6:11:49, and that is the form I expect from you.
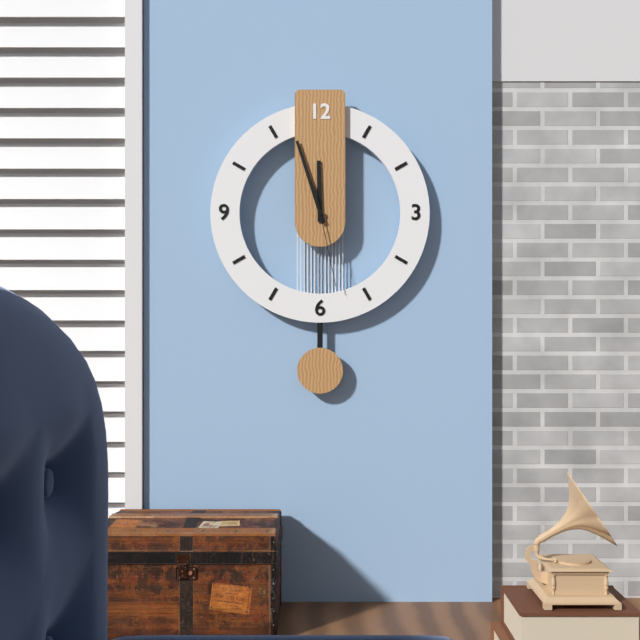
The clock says 11:57:28
